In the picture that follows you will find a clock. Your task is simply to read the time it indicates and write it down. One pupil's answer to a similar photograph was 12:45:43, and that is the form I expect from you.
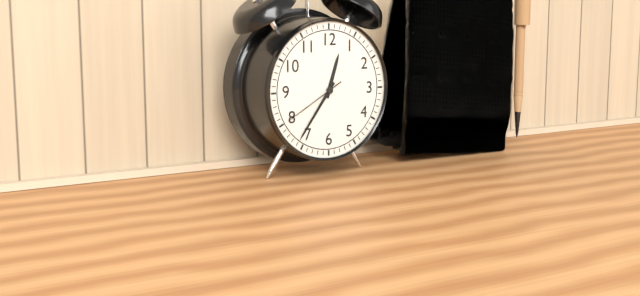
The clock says 12:36:40
